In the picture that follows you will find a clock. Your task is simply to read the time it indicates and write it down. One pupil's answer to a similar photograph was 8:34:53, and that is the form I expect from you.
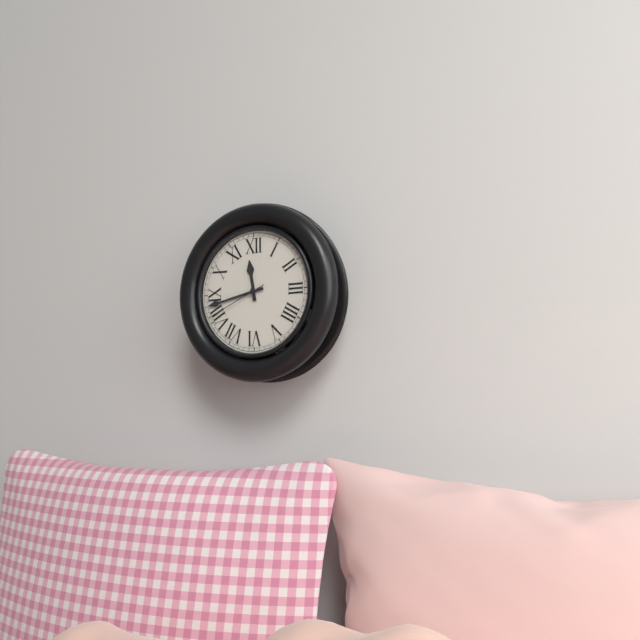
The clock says 11:43:41
